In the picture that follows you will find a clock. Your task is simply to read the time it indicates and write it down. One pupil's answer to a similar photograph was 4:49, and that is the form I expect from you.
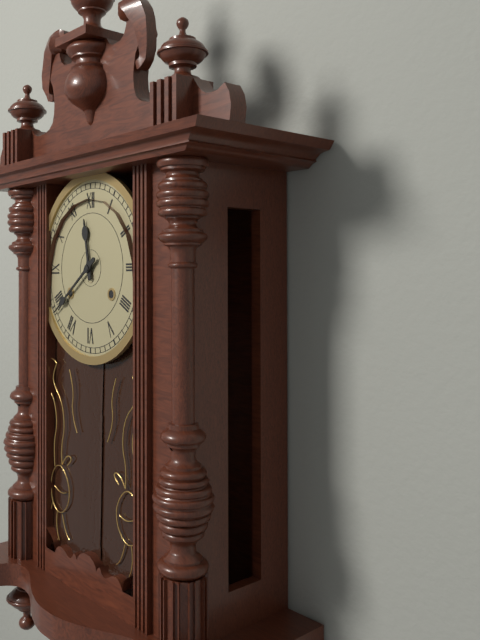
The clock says 11:39
